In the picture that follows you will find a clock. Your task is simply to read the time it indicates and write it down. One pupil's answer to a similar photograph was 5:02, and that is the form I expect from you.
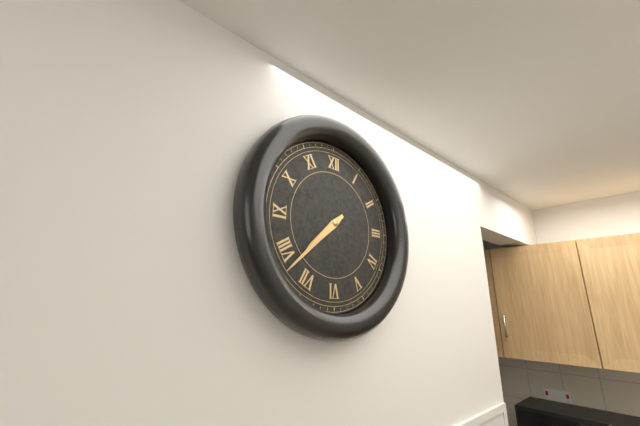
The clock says 7:38
